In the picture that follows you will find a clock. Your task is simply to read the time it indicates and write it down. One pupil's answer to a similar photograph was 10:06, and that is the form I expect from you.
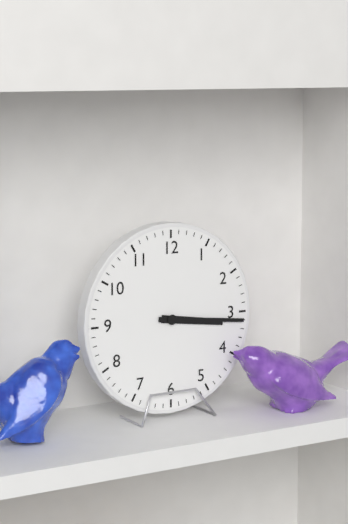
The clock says 3:16
